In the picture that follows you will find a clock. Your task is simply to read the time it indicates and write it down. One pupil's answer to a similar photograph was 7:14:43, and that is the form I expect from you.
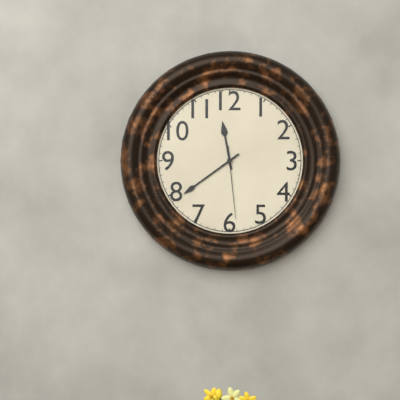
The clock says 11:39:29
